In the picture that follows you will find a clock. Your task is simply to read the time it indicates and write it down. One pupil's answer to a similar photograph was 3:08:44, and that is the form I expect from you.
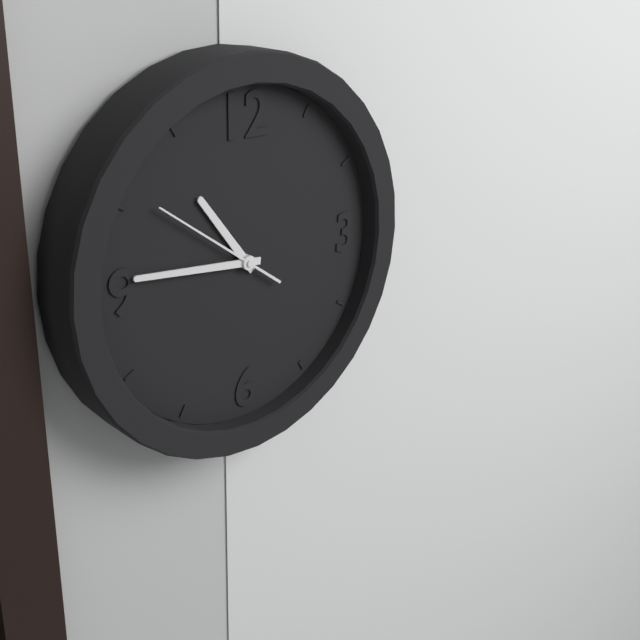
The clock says 10:46:51
